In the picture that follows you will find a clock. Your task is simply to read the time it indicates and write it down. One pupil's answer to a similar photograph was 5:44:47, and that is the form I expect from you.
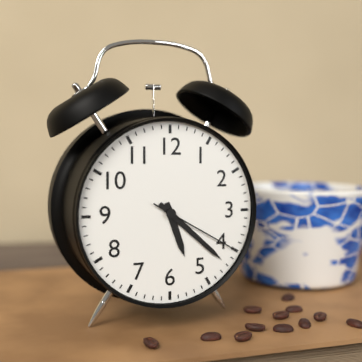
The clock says 5:22:20
